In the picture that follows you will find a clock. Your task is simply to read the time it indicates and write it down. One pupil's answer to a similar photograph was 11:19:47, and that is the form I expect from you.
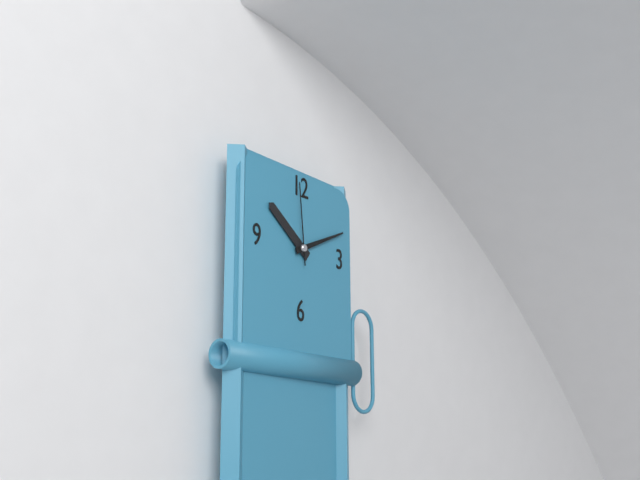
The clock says 10:11:59
